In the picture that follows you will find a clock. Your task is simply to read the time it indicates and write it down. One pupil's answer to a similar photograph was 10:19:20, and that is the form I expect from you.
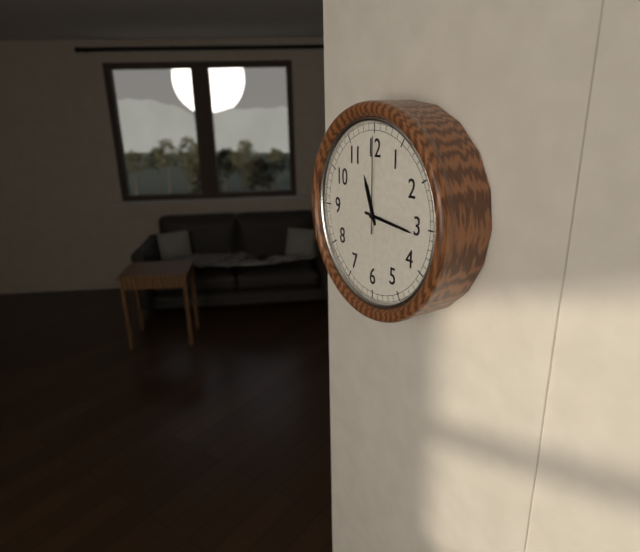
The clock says 11:16:00
